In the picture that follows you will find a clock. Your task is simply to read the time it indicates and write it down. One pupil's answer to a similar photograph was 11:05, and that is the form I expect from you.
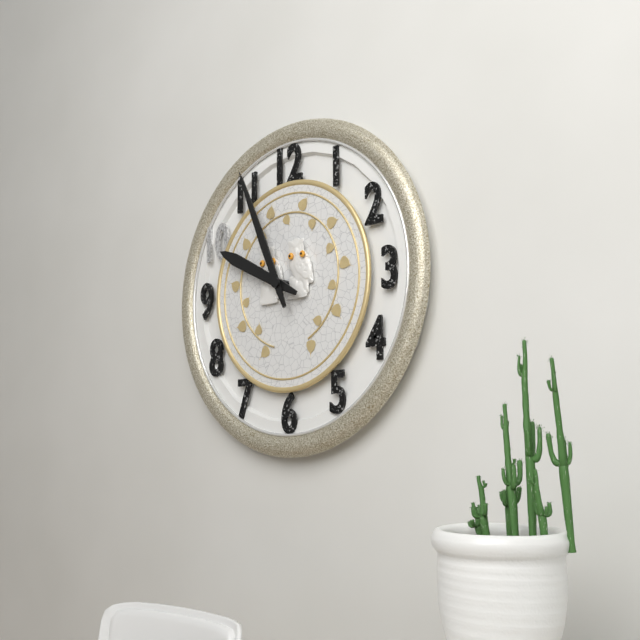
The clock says 9:56
